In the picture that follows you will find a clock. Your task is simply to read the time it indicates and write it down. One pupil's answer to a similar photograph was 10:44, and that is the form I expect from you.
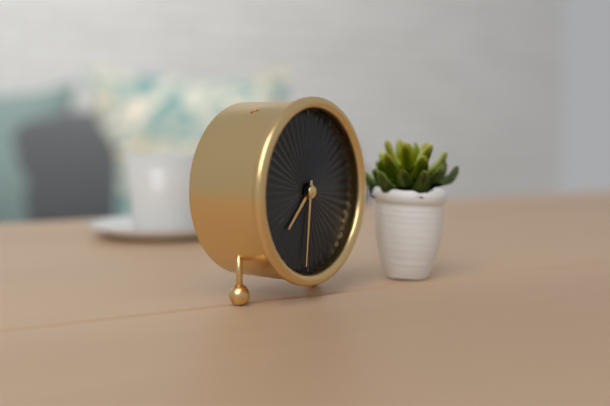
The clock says 7:31
